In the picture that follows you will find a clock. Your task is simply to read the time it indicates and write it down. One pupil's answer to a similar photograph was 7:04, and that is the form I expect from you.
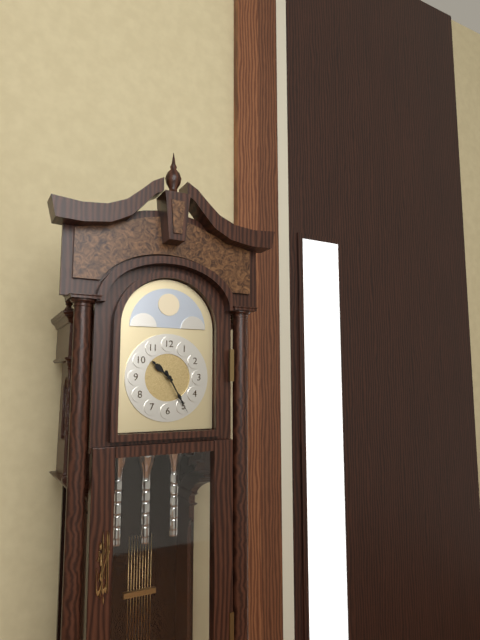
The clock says 10:25
